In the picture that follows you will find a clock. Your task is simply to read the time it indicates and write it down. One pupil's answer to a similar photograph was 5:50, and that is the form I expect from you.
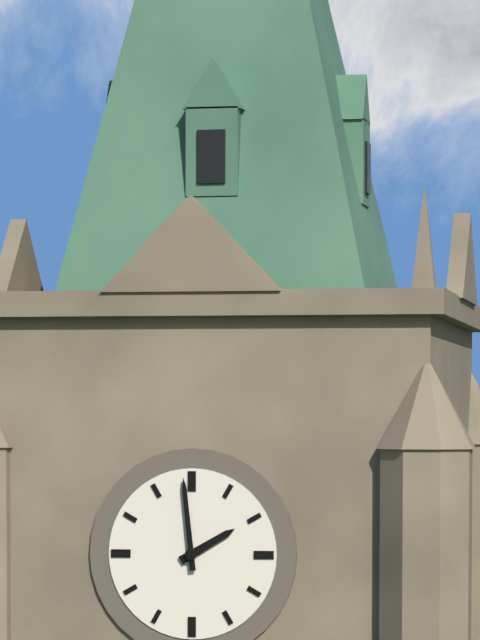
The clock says 1:59
